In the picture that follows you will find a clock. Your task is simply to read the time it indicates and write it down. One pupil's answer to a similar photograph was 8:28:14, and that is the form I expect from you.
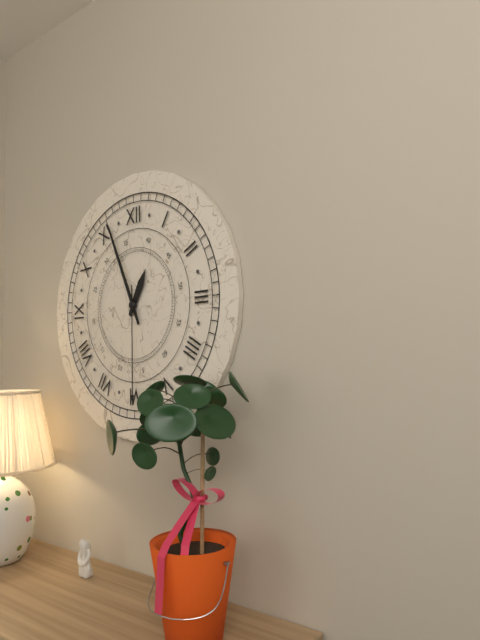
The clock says 12:56:30
